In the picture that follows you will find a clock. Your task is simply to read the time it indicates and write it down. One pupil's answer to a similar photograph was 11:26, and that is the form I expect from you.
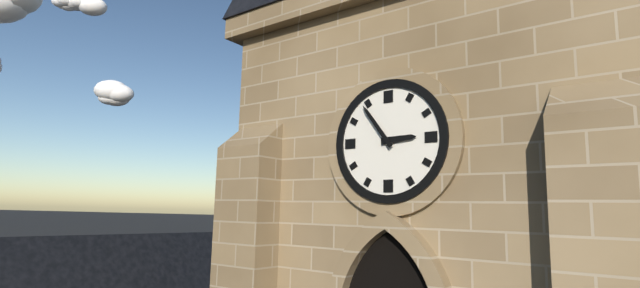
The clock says 2:54
